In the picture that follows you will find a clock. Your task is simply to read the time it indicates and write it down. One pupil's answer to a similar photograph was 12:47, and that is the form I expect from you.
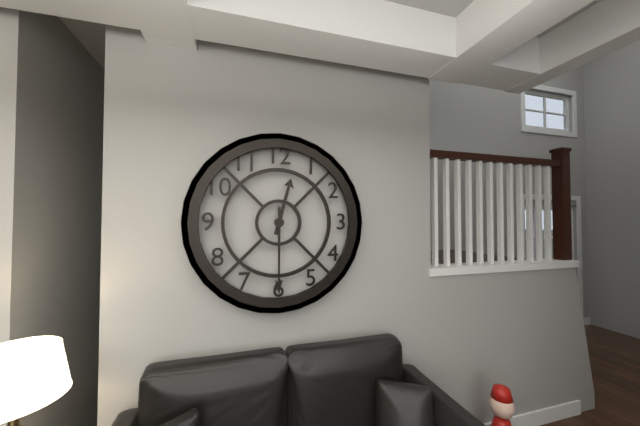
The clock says 12:30
